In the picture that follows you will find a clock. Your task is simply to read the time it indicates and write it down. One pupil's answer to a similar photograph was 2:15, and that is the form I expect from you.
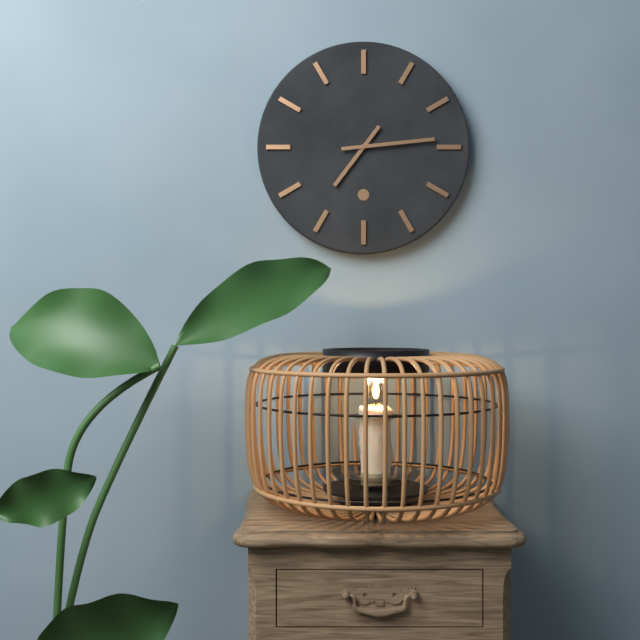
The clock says 7:14
